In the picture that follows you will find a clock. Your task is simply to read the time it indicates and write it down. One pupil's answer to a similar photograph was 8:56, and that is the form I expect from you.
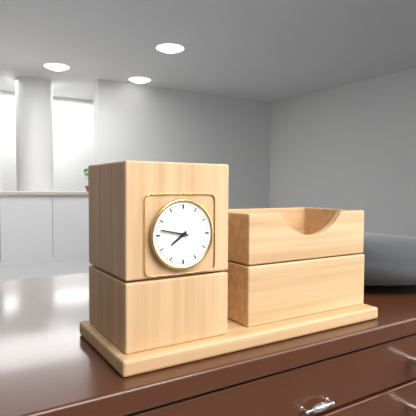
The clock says 7:47
